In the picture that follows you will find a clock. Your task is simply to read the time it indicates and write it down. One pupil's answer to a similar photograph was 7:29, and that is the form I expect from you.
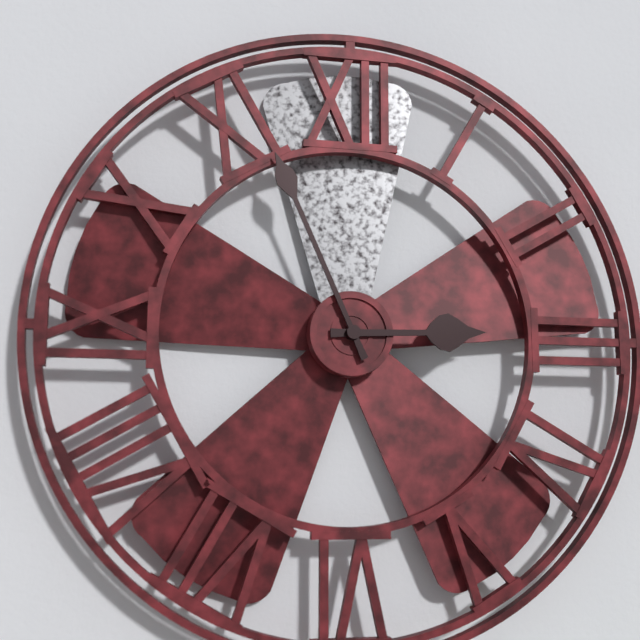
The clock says 2:56
